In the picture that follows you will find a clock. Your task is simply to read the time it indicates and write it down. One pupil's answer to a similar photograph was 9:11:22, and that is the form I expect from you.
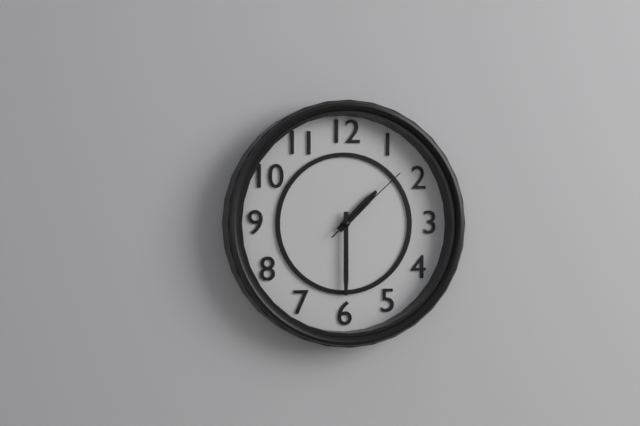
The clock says 1:30:08
